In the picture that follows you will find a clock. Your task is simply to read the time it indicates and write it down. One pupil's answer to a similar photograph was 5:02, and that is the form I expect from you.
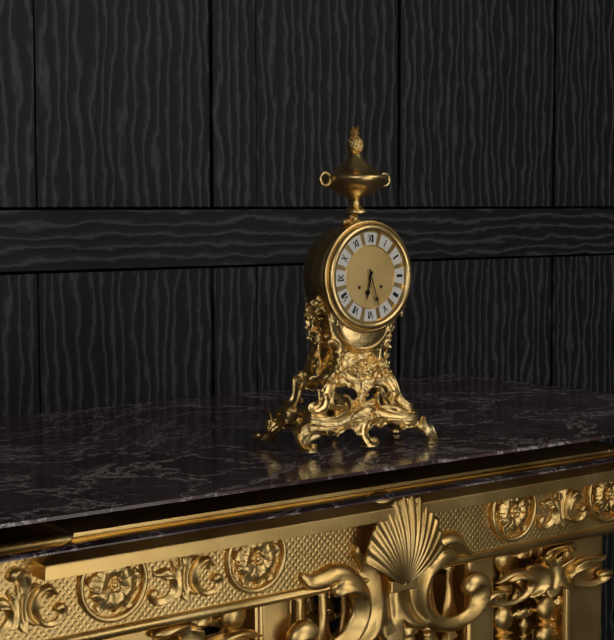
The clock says 6:27
